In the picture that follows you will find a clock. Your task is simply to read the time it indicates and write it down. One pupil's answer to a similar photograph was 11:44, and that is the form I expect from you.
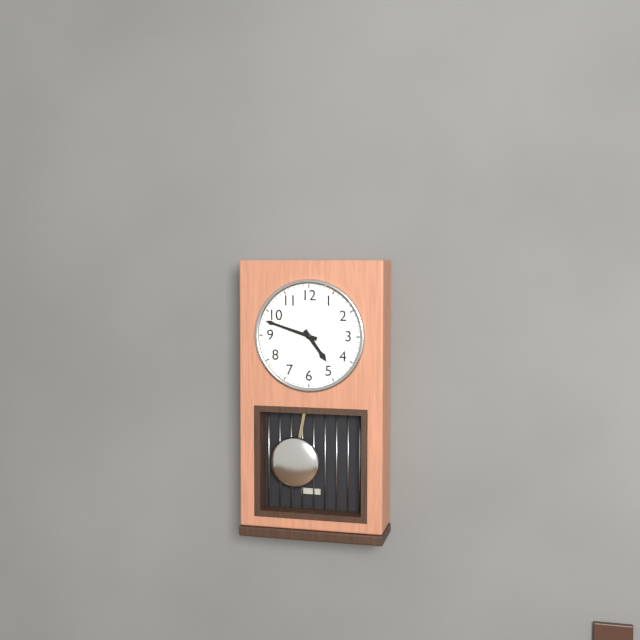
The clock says 4:48
